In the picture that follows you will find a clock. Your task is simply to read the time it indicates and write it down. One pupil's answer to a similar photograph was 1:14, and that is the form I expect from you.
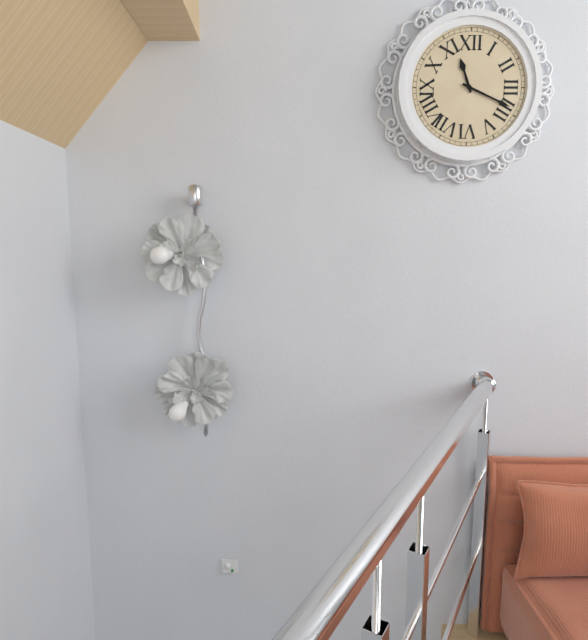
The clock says 11:19
